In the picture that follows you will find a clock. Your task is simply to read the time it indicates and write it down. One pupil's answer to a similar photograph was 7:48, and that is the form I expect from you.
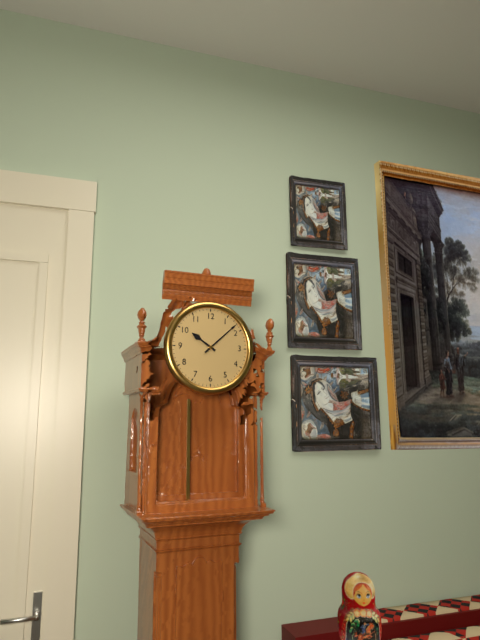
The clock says 10:08
